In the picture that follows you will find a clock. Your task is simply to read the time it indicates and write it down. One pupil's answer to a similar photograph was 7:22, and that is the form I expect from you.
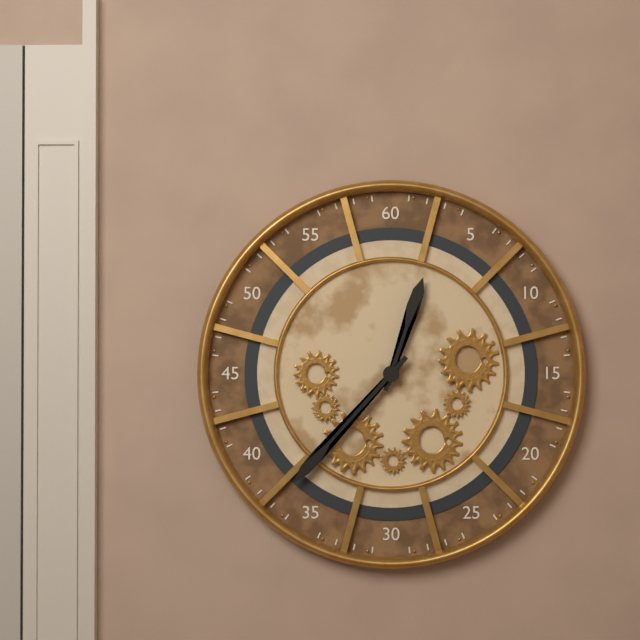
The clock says 12:37
